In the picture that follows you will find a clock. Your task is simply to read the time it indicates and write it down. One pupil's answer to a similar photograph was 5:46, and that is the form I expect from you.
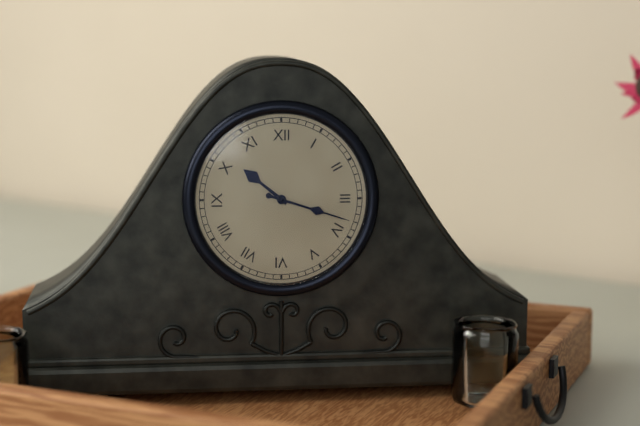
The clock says 10:18
